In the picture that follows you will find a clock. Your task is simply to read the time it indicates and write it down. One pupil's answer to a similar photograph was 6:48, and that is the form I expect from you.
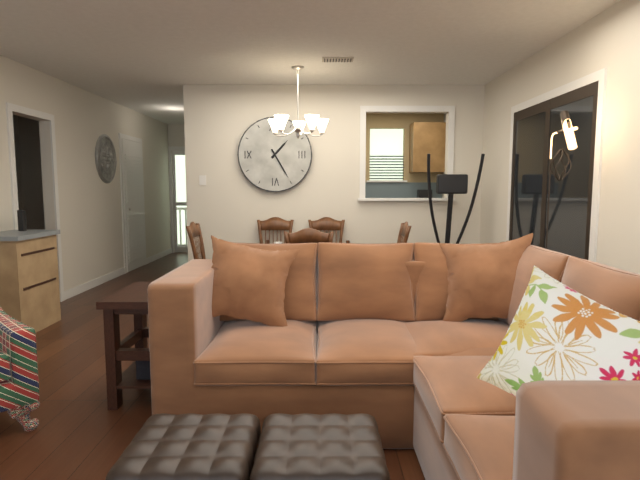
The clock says 1:25
